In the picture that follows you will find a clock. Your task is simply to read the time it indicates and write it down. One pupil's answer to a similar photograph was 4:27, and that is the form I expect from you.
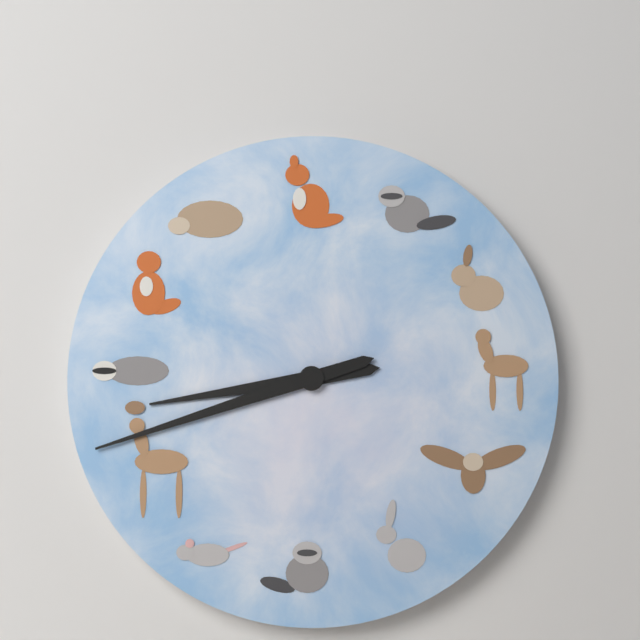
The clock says 8:42
